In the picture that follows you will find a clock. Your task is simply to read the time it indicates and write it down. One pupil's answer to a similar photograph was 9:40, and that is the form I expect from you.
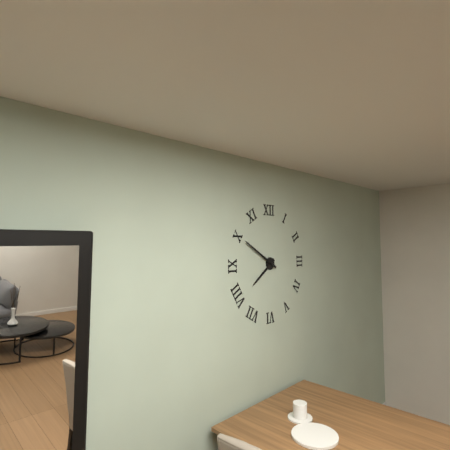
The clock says 7:50
